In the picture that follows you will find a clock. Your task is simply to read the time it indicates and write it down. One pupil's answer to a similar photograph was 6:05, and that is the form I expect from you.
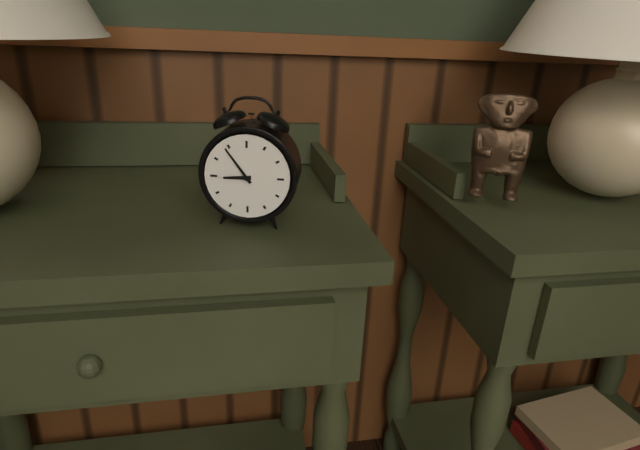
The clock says 8:54
